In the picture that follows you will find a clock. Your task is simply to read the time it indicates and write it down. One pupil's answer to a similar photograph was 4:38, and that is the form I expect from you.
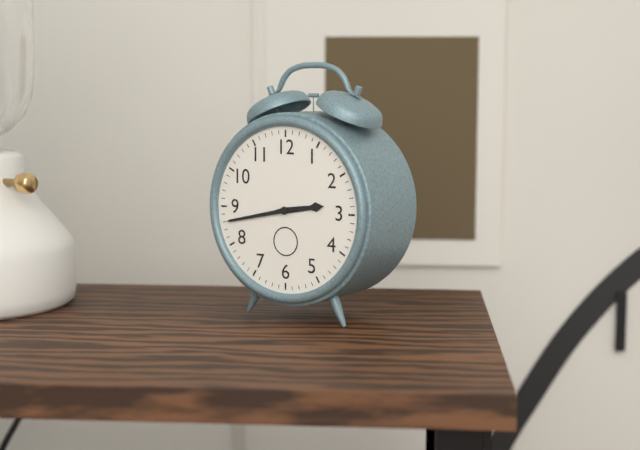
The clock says 2:43
